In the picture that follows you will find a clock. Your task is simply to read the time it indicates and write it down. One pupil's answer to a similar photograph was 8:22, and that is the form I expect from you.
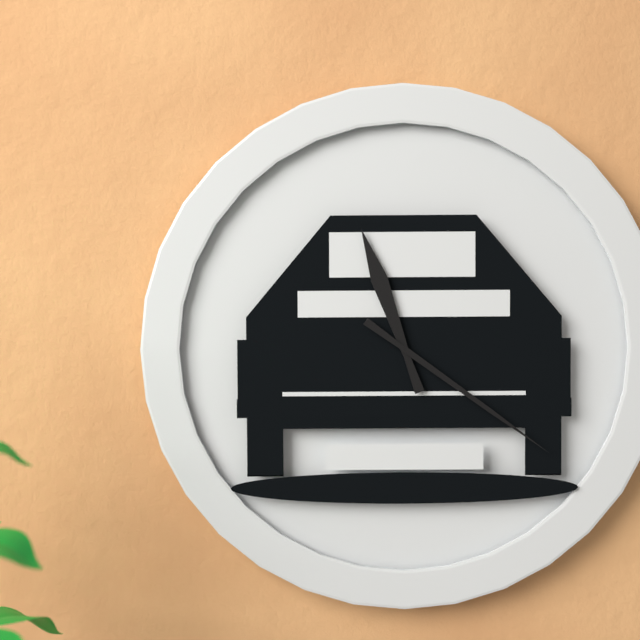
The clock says 11:21
